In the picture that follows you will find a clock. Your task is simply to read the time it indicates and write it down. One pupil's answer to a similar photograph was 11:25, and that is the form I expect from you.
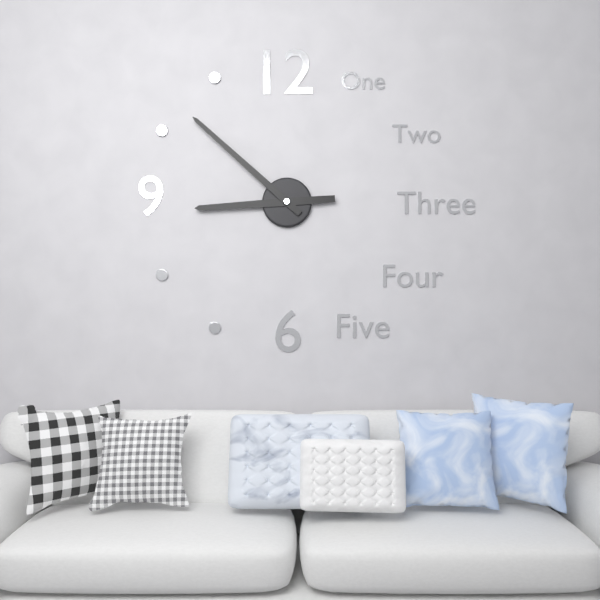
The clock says 8:52
